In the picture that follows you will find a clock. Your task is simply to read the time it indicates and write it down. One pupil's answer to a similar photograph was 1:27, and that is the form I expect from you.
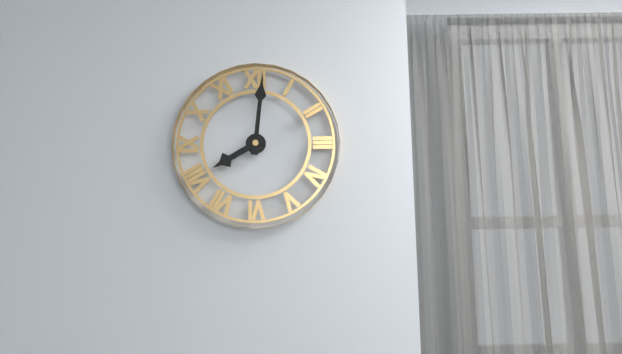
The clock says 8:01
